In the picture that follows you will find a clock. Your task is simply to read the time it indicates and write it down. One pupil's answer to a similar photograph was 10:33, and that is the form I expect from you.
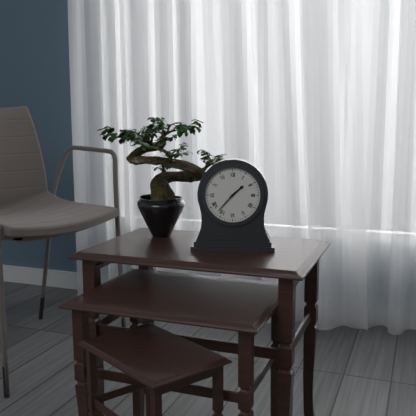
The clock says 1:37
